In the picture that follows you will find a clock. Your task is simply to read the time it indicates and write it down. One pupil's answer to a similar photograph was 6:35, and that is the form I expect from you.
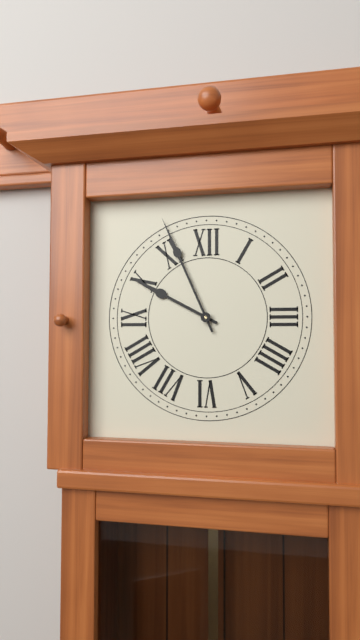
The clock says 9:56
